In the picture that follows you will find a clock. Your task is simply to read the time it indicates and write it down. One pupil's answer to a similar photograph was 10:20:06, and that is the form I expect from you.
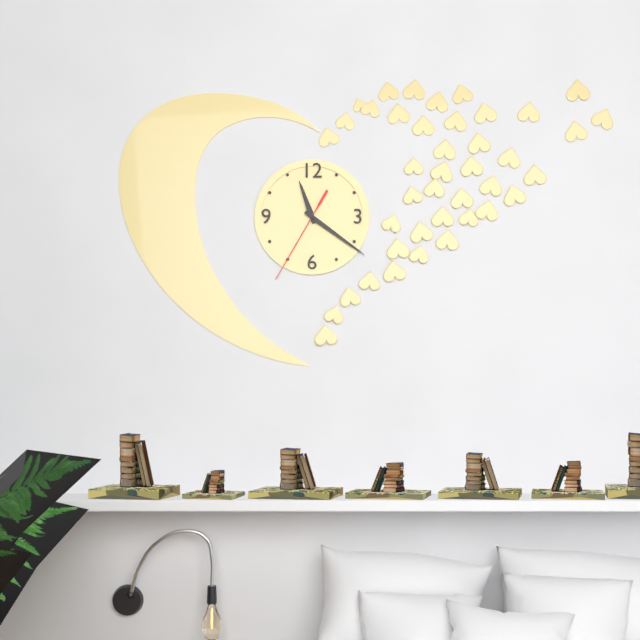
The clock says 11:21:35
